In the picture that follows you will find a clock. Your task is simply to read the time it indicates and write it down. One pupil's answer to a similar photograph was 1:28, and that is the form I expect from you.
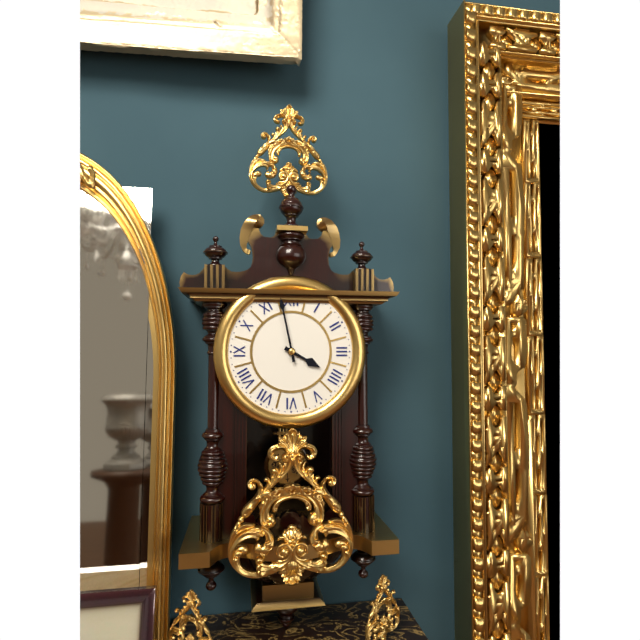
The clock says 3:58
